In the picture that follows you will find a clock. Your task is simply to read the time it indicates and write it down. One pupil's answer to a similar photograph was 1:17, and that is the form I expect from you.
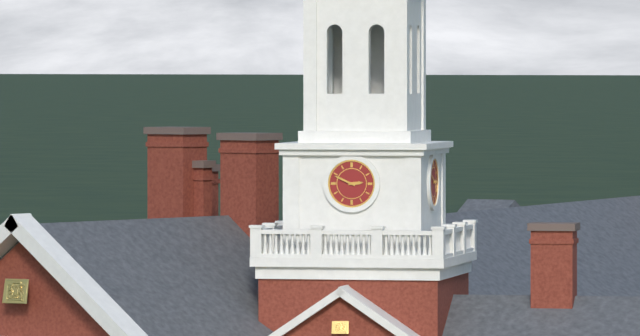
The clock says 2:49
